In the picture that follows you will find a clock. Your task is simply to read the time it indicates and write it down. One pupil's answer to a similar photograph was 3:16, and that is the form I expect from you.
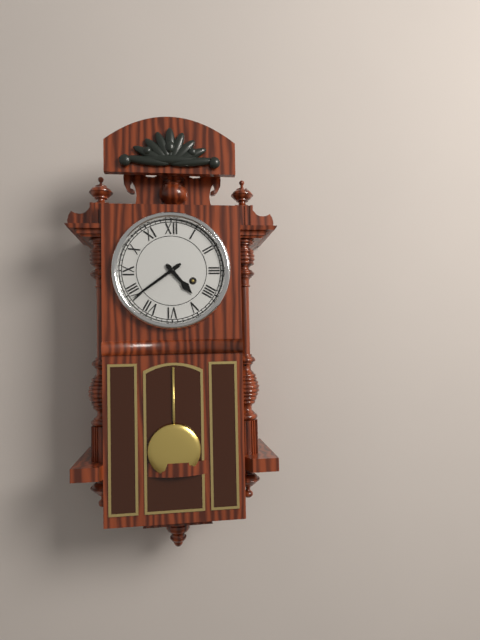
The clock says 4:39
